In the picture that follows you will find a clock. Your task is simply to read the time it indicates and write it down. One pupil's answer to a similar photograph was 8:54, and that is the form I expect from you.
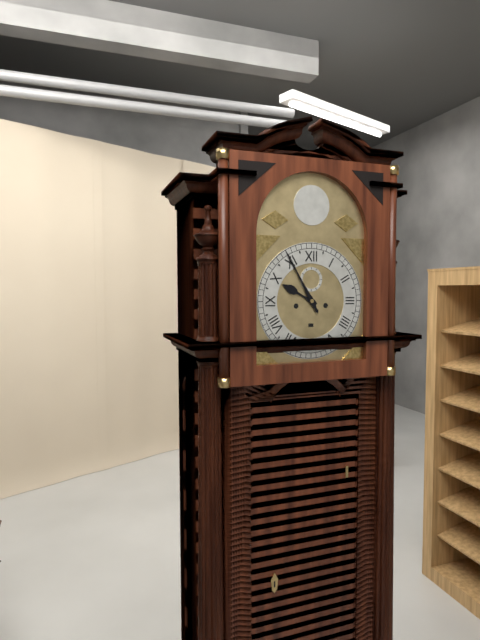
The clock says 9:55
